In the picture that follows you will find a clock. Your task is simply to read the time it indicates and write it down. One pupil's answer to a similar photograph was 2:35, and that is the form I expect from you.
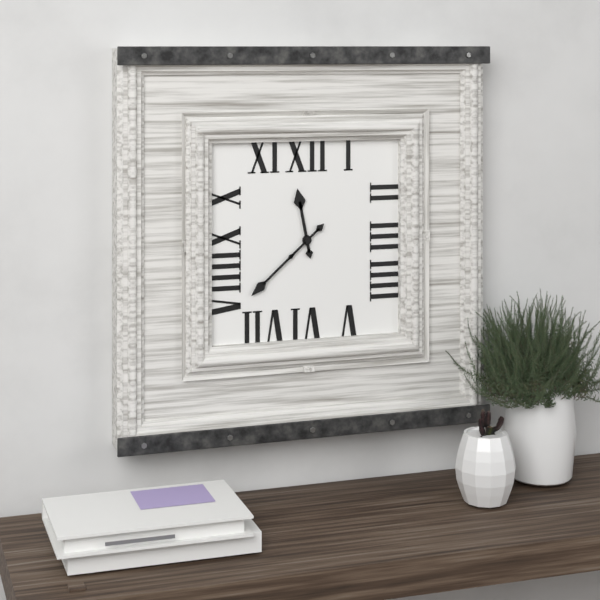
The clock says 11:38
